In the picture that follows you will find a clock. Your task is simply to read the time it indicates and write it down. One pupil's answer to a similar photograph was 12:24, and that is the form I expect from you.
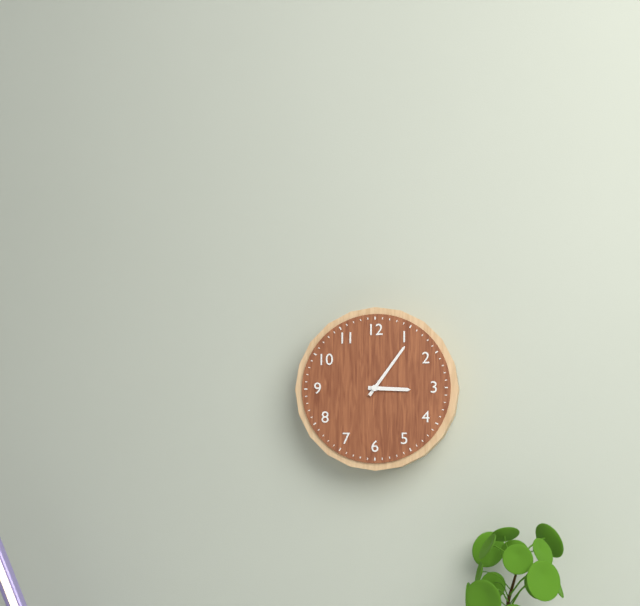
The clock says 3:06
